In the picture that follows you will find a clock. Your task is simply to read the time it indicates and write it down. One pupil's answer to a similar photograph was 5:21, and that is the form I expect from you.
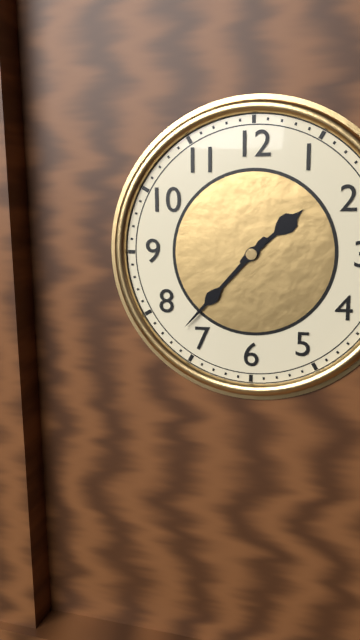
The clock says 1:37
